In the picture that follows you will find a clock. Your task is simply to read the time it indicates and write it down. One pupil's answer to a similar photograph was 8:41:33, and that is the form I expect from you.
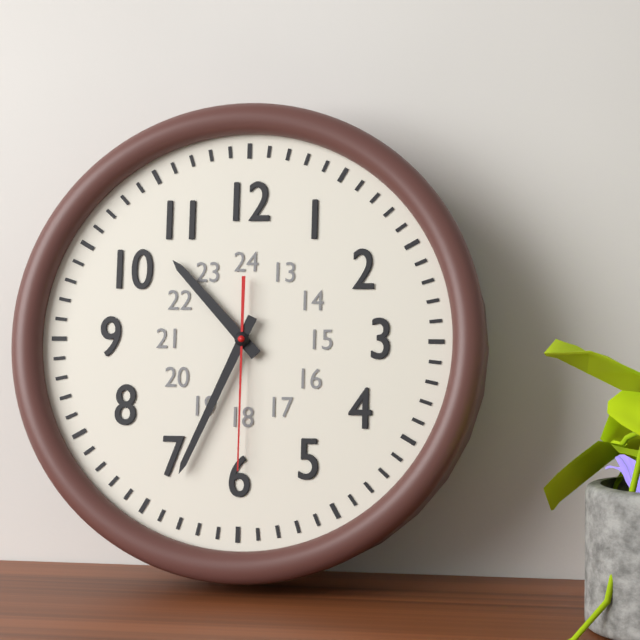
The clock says 10:34:30
